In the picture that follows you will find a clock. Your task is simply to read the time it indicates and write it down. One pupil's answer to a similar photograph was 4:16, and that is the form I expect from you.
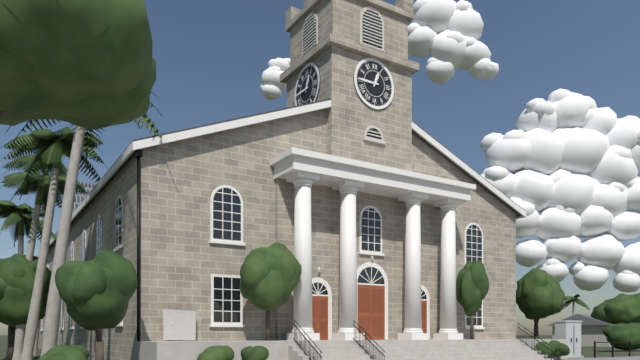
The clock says 12:45
